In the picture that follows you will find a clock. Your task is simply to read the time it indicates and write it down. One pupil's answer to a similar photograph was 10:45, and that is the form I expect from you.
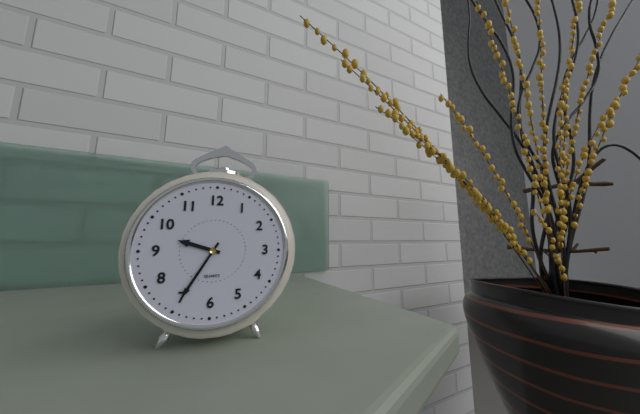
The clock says 9:35
